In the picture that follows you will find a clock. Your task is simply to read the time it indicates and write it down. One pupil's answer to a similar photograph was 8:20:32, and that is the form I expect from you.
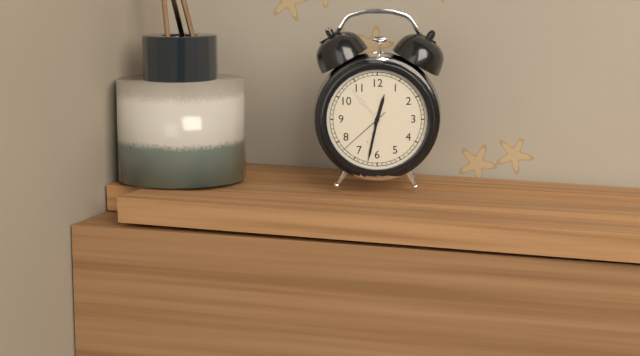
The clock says 12:32:38
